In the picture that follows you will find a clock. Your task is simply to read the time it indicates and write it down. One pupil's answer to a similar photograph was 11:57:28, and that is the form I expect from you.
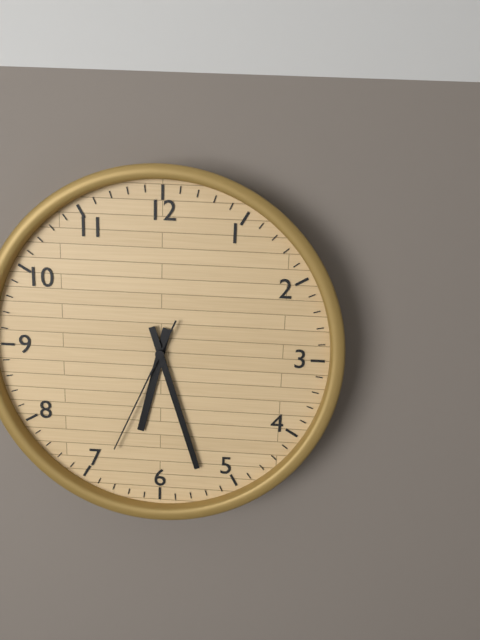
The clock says 6:27:34
